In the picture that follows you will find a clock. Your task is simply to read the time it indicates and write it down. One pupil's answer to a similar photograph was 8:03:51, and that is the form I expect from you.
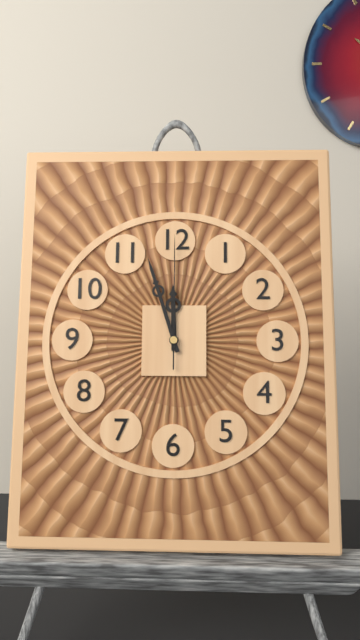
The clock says 11:57:00
